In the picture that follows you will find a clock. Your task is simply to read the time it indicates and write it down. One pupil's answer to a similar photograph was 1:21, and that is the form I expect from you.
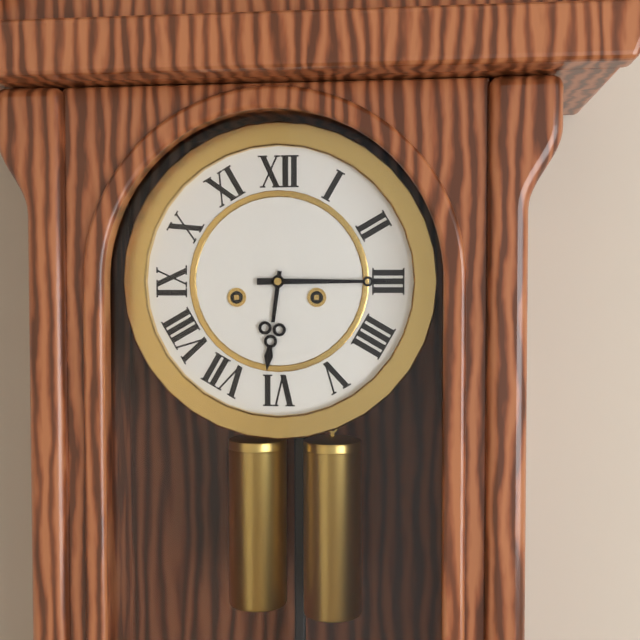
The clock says 6:15
